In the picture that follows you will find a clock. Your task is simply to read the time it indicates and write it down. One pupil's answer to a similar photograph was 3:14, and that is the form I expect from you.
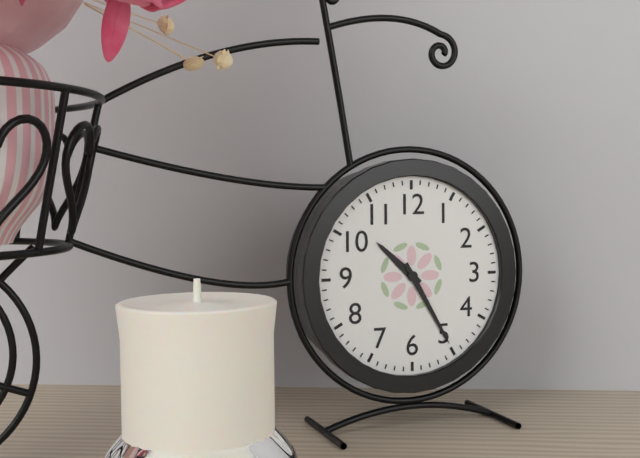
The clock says 10:25
